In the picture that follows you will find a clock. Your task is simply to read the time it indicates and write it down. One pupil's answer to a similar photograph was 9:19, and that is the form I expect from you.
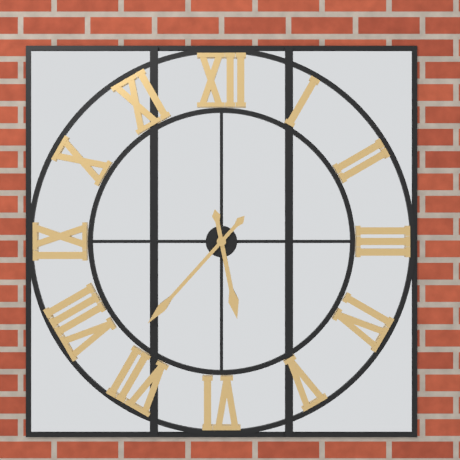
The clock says 5:37
